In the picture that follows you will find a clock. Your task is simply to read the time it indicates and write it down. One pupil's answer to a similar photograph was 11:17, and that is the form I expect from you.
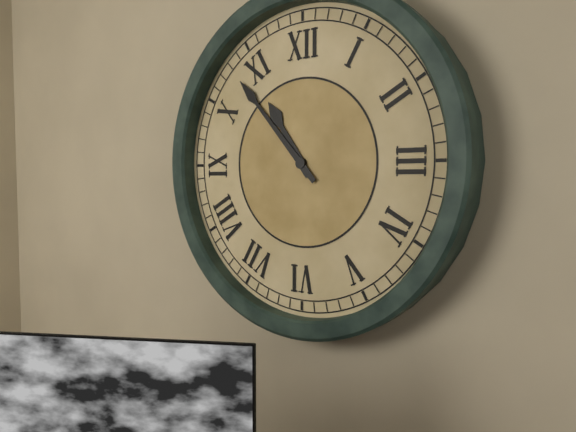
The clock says 10:53
